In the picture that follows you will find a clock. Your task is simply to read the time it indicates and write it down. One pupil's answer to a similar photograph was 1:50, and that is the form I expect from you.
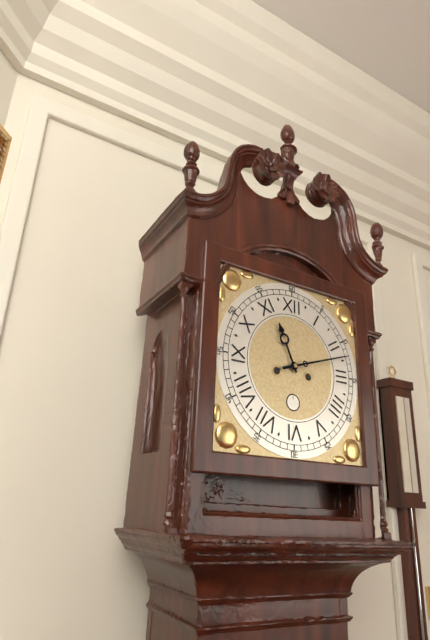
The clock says 11:12
